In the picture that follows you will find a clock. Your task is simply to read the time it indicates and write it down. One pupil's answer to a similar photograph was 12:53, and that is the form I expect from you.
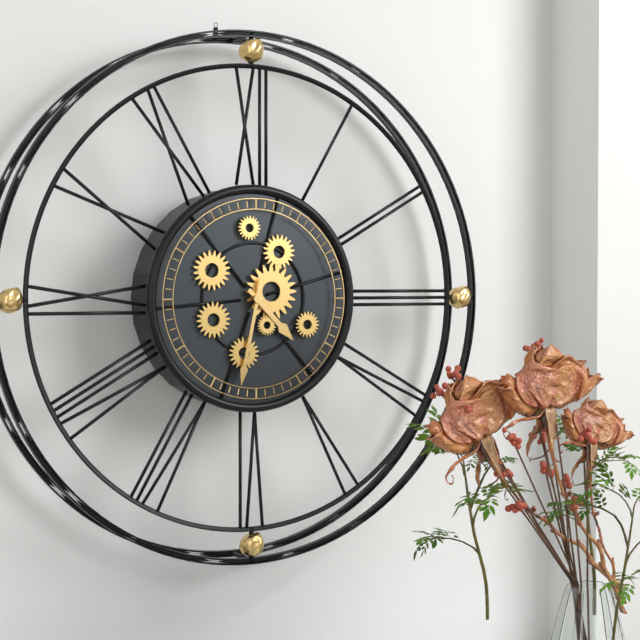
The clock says 4:32
